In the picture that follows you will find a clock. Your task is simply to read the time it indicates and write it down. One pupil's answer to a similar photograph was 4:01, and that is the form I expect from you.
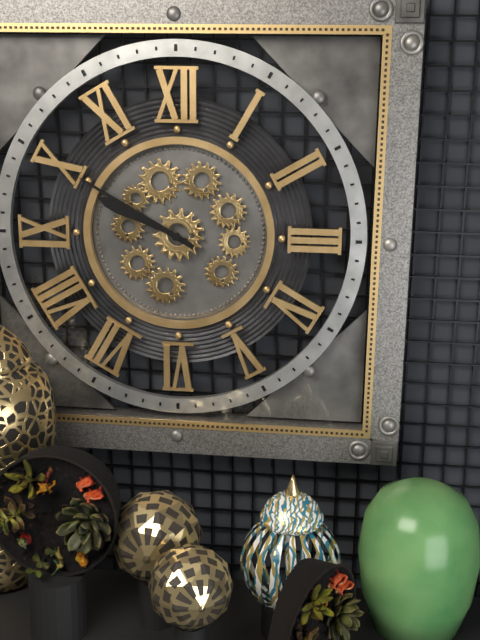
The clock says 9:50
